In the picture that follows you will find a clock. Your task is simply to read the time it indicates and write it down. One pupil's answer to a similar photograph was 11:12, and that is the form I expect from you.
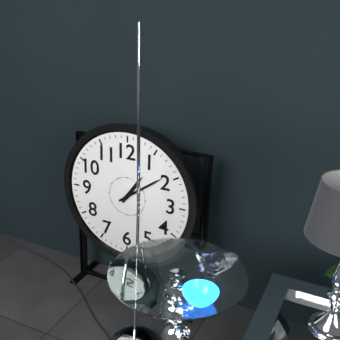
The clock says 1:09
